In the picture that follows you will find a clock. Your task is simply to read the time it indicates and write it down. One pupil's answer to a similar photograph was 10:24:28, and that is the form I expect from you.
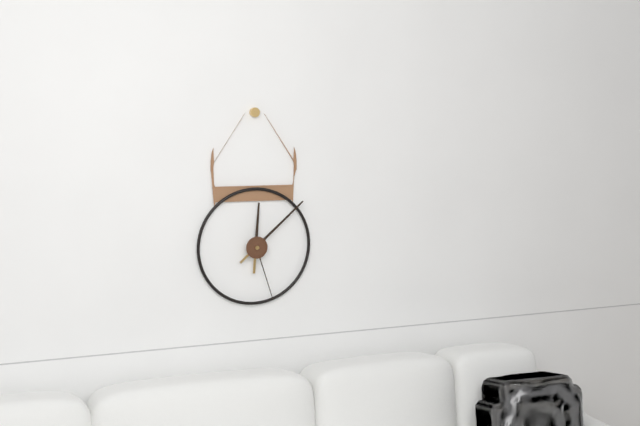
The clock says 12:08:27
